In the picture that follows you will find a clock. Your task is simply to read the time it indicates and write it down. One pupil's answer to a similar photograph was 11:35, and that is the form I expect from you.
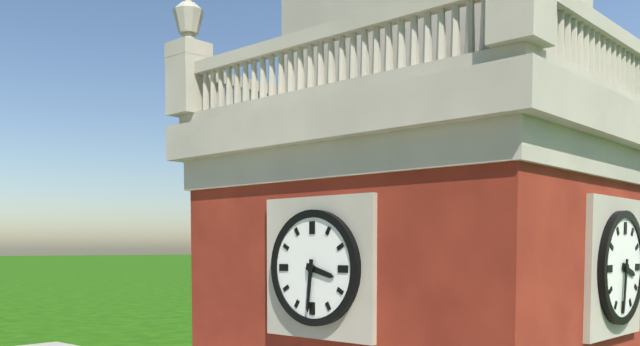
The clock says 3:31
